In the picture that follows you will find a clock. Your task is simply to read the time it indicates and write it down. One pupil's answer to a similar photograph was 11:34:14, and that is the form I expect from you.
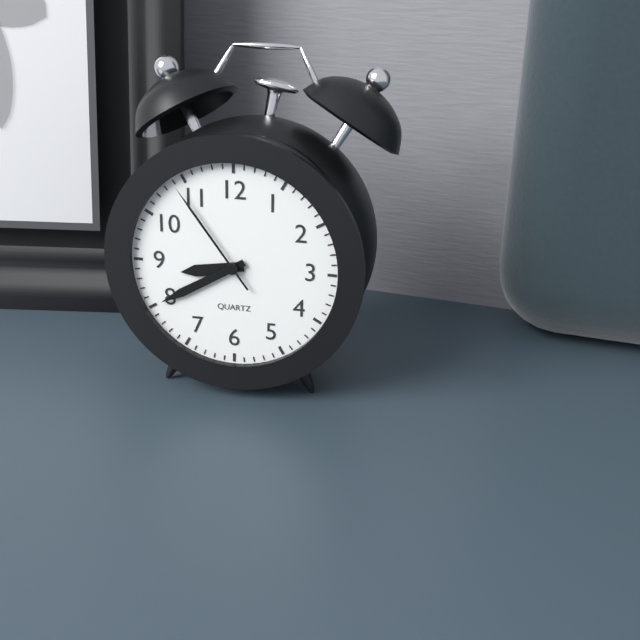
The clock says 8:40:54
